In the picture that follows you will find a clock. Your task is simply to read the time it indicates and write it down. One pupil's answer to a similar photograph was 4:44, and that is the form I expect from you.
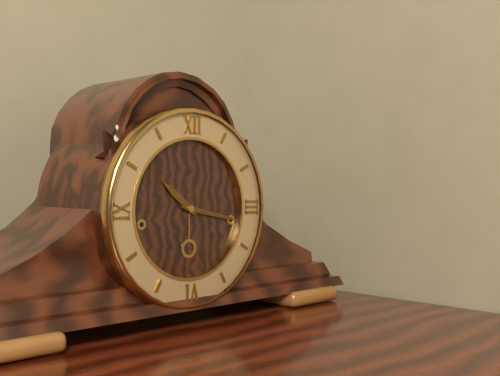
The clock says 10:17
